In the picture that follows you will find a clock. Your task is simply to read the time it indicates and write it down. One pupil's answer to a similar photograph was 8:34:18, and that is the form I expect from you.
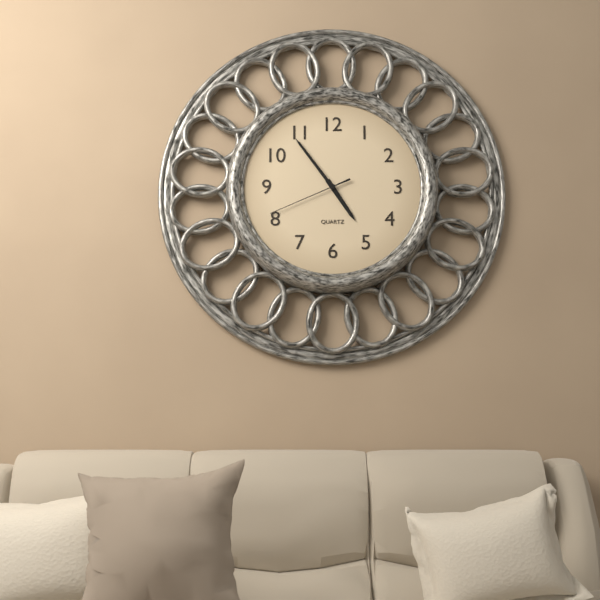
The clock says 4:54:41
